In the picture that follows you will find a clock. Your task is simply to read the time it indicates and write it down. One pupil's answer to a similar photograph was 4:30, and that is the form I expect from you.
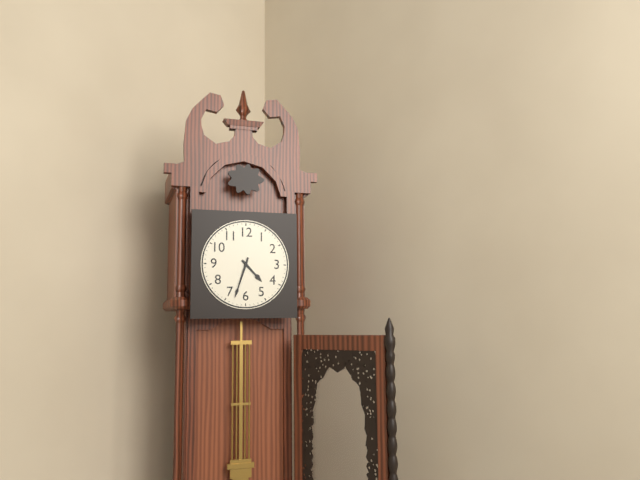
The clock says 4:33
